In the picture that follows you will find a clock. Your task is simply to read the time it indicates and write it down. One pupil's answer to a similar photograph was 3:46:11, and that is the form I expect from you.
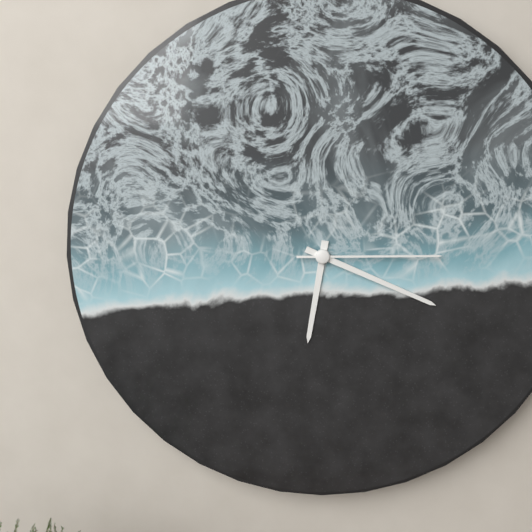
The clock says 6:19:15
